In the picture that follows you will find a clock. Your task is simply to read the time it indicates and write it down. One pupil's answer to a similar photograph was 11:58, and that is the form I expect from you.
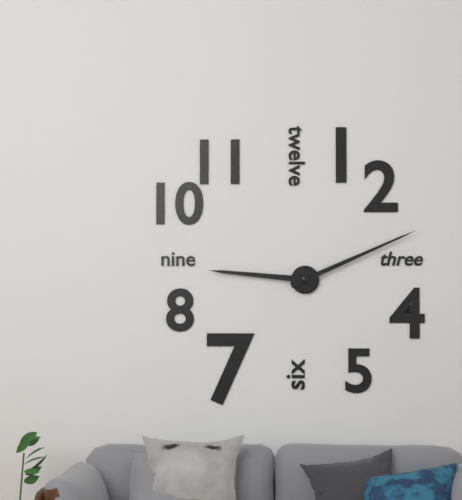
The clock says 9:11
